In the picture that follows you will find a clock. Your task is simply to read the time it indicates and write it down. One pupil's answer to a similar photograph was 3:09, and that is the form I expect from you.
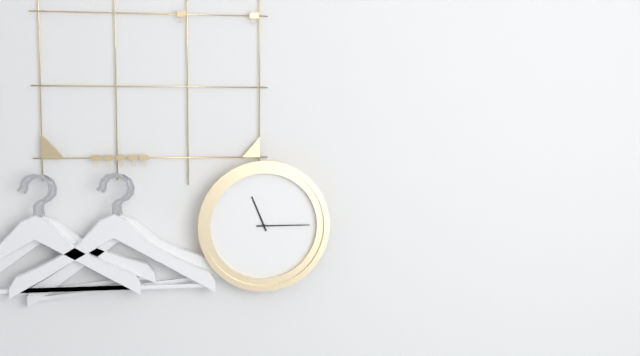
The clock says 11:15
